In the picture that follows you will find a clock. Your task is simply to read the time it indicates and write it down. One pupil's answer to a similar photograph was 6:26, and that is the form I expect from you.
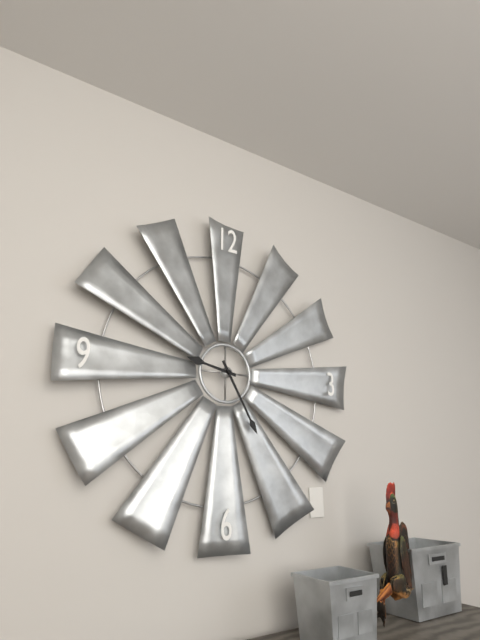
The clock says 9:25
